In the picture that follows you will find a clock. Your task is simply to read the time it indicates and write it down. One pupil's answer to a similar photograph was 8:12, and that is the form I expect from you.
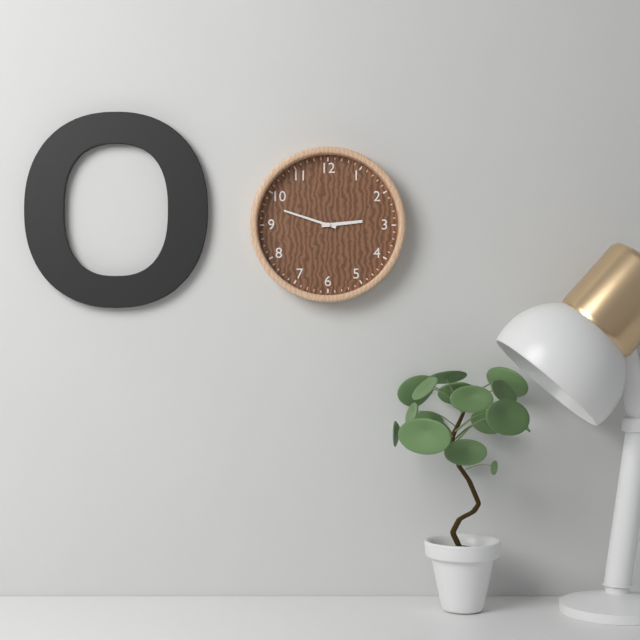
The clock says 2:48
